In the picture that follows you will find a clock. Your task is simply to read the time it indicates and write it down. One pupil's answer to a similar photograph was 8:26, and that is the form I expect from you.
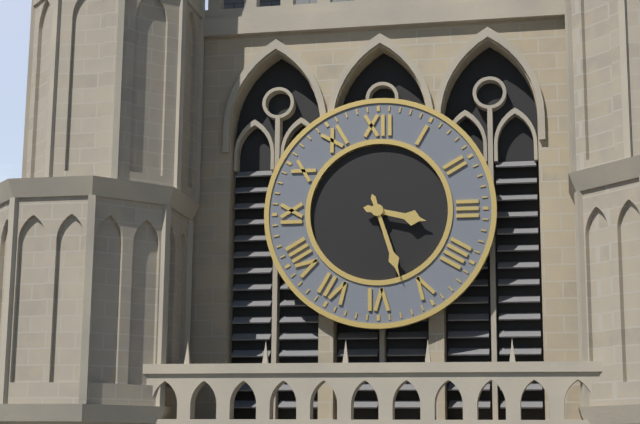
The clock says 3:27
